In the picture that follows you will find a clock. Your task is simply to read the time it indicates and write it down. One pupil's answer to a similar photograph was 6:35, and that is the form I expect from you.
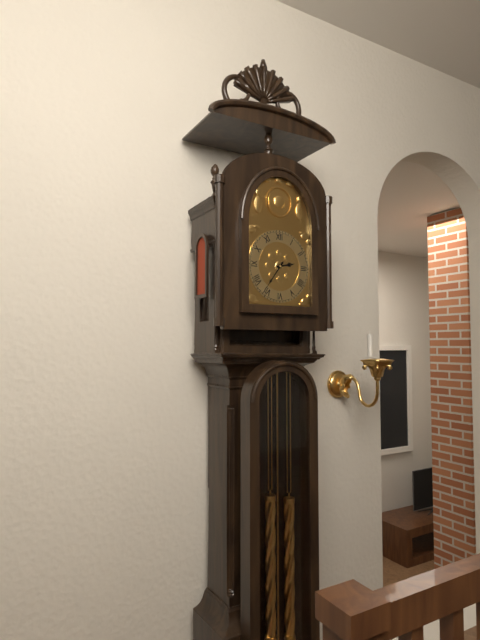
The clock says 2:36
